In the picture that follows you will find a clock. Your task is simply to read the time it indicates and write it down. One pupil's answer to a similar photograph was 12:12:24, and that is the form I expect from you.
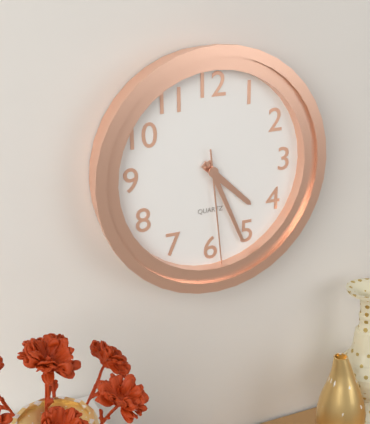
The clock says 4:26:29
